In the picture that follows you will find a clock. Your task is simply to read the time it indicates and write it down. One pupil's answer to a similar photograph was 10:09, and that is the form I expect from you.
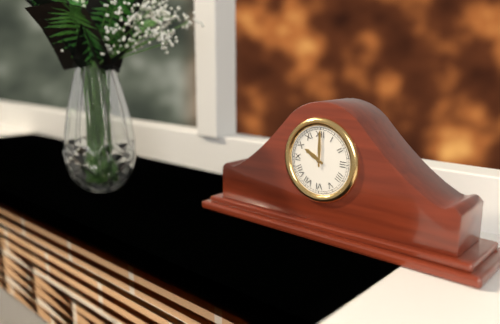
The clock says 10:00
